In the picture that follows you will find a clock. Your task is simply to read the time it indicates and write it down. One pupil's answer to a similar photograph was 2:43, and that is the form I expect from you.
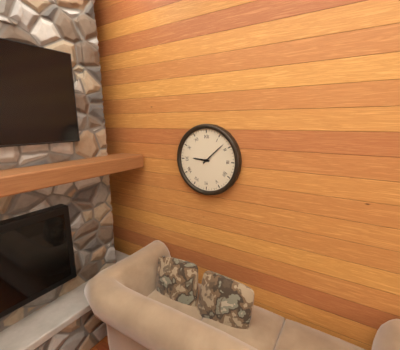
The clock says 9:08
